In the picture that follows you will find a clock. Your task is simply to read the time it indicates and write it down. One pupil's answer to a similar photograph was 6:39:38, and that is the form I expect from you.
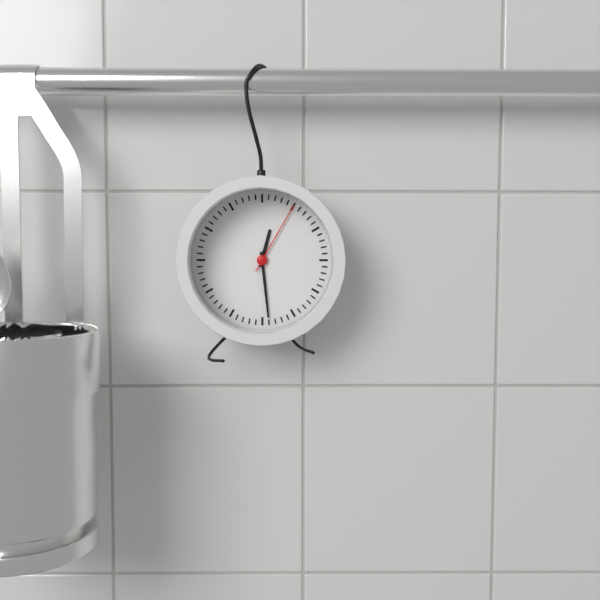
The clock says 12:29:05
